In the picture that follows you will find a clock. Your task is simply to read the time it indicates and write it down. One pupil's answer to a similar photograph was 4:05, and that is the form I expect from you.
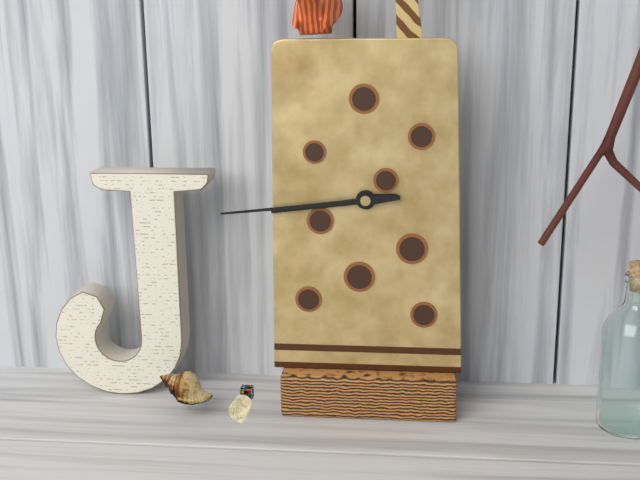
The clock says 8:44
